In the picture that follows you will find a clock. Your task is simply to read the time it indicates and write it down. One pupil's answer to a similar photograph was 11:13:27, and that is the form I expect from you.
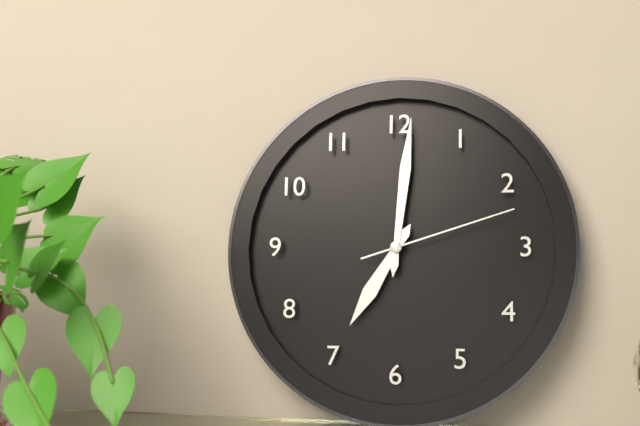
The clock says 7:01:12
